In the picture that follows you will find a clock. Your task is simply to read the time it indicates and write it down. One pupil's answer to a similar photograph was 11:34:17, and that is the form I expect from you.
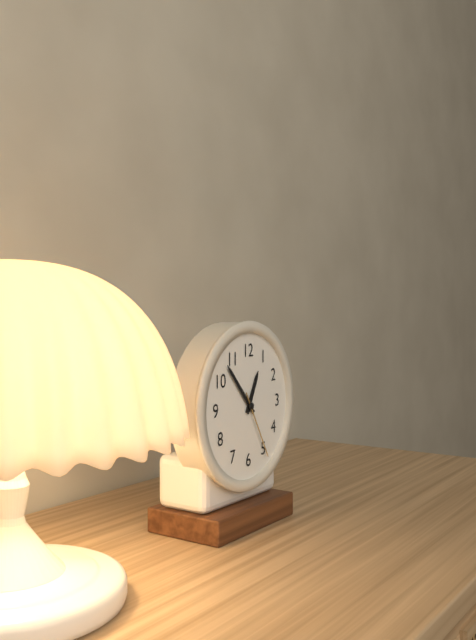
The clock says 12:53:25
